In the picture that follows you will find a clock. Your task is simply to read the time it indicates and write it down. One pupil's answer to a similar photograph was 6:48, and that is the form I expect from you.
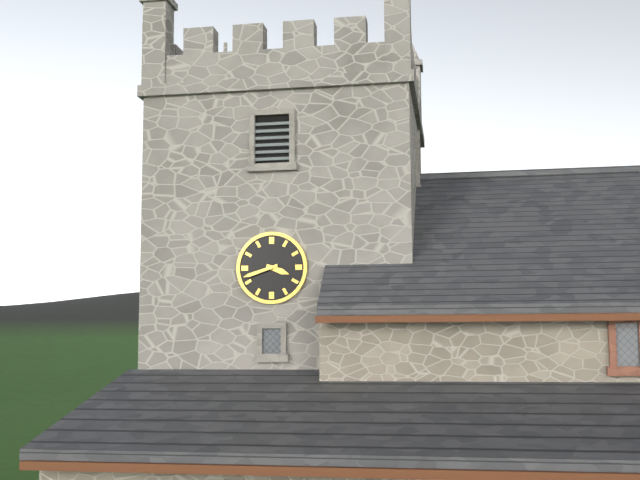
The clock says 3:42
